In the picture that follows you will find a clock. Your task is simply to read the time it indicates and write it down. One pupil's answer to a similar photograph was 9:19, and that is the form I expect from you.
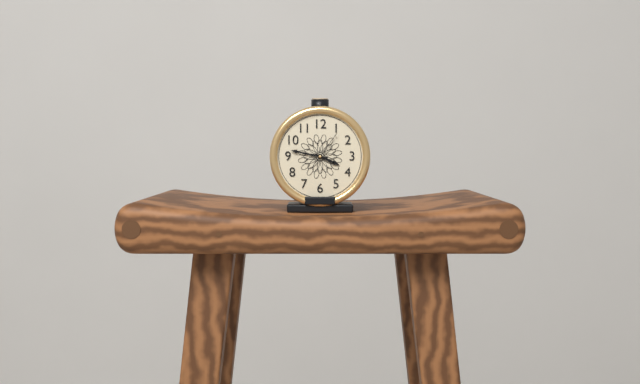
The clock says 3:47
